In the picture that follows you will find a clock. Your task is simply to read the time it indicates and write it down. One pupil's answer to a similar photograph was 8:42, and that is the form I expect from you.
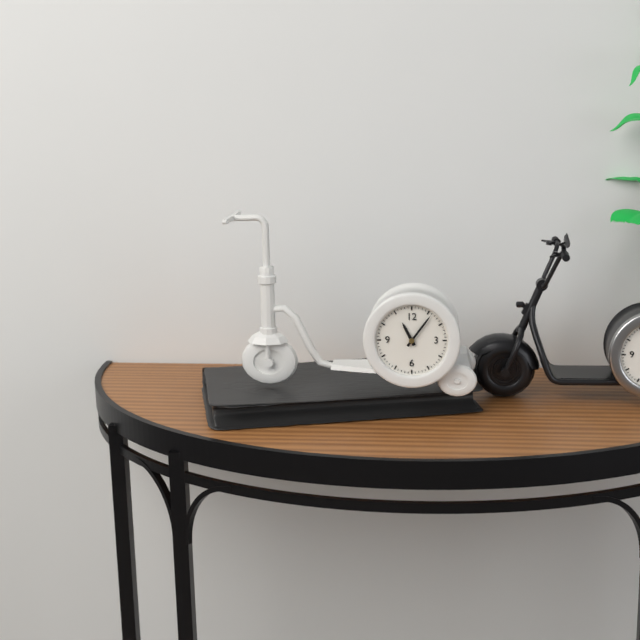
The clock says 11:06
